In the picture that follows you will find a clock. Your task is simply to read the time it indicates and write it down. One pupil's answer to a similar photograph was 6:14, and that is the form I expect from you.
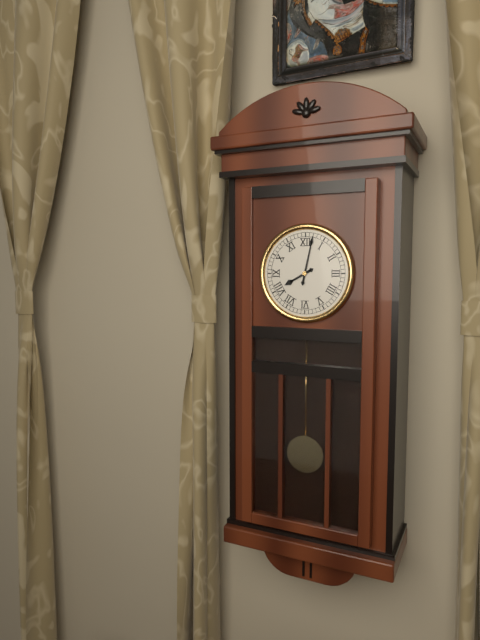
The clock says 8:02
